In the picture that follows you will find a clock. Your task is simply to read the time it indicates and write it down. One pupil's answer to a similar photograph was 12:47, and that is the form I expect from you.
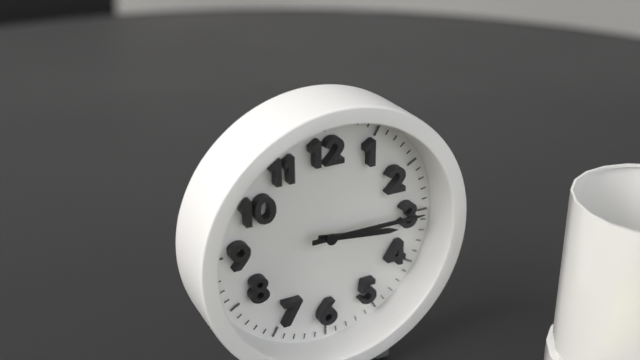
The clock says 3:15
